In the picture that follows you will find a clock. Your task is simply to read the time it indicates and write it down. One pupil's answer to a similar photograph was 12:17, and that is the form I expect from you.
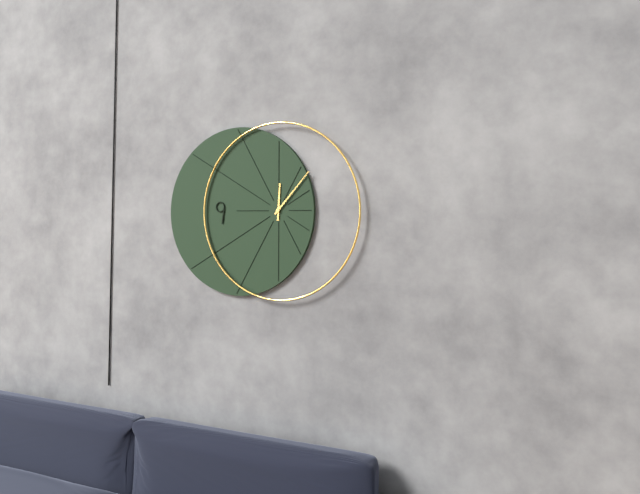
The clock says 12:07
